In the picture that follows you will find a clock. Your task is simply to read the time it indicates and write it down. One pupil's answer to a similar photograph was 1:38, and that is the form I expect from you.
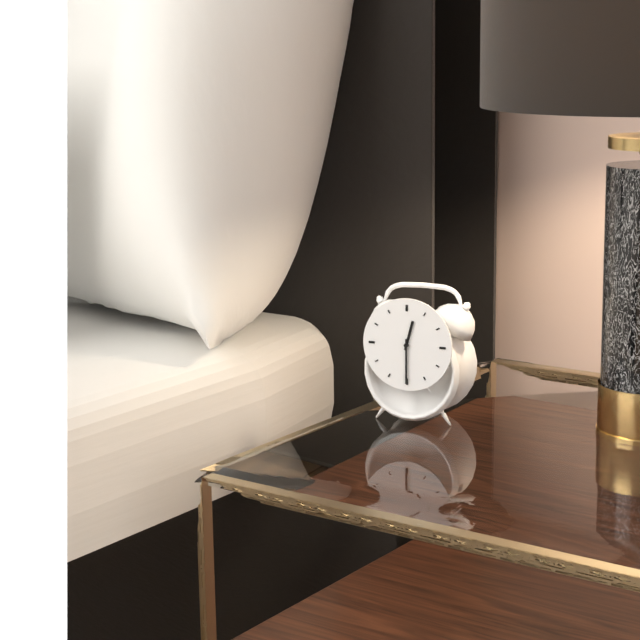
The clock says 12:30
